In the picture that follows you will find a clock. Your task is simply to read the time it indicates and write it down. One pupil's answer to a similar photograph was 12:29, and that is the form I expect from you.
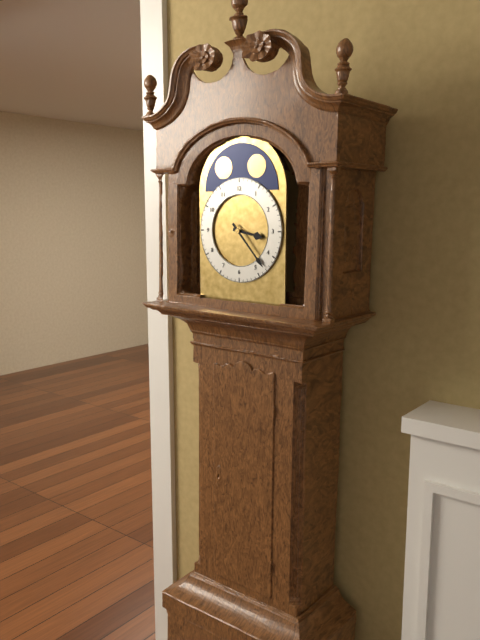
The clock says 3:23
